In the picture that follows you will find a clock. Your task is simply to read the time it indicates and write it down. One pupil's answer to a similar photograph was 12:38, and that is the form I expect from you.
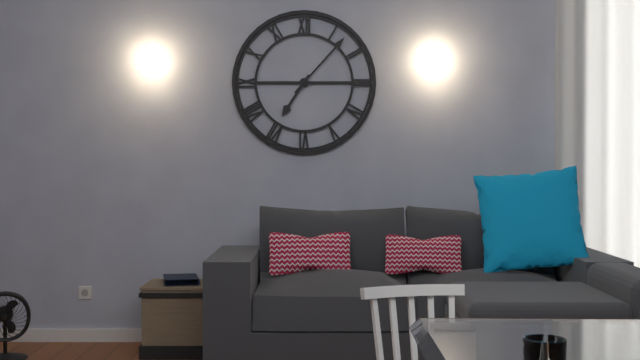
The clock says 7:07
